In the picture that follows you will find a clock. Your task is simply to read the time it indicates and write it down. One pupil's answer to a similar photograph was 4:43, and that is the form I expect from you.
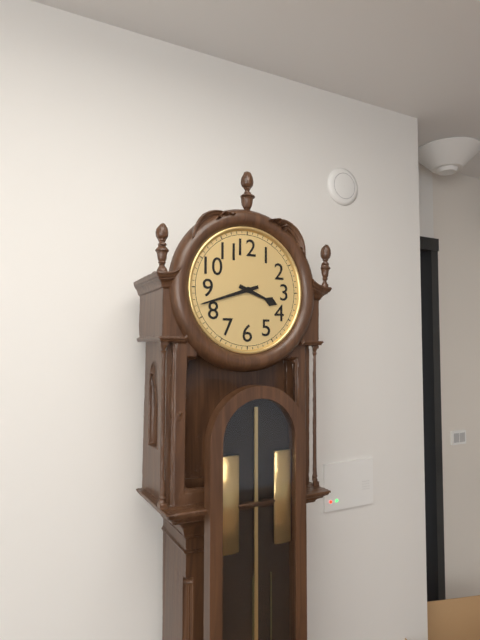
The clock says 3:42
